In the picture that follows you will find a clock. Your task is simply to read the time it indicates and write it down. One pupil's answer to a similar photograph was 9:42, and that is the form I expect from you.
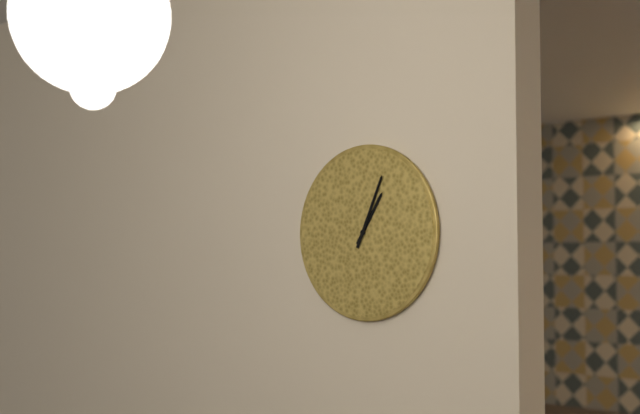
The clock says 1:04
